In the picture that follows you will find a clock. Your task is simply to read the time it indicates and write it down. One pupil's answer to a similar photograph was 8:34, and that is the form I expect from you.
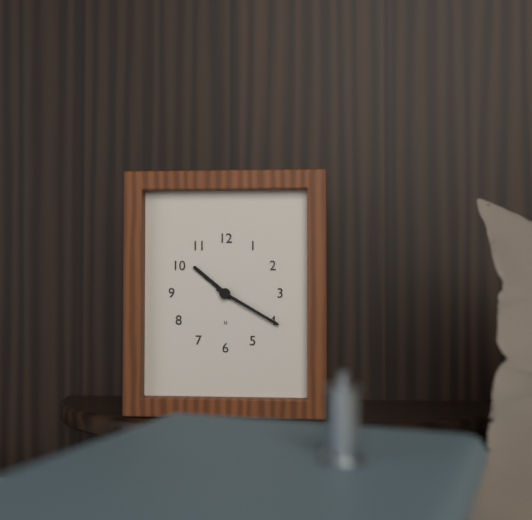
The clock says 10:20
